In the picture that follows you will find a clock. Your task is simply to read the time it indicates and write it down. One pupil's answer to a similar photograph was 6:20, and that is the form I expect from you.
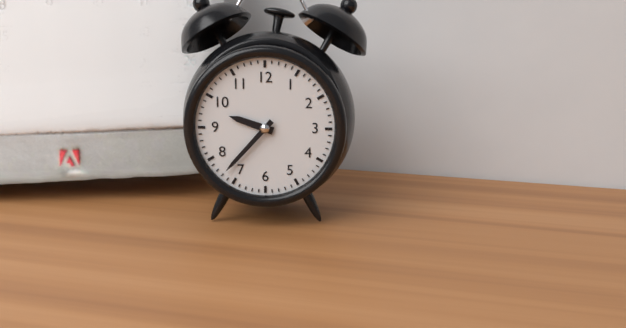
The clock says 9:37
